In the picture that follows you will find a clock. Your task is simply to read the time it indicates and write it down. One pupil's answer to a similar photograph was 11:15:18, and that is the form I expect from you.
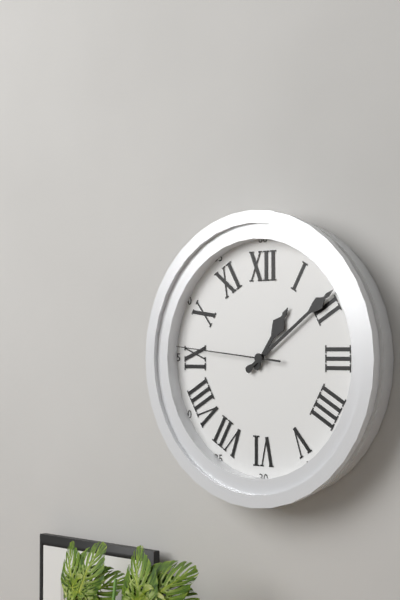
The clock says 1:09:46
